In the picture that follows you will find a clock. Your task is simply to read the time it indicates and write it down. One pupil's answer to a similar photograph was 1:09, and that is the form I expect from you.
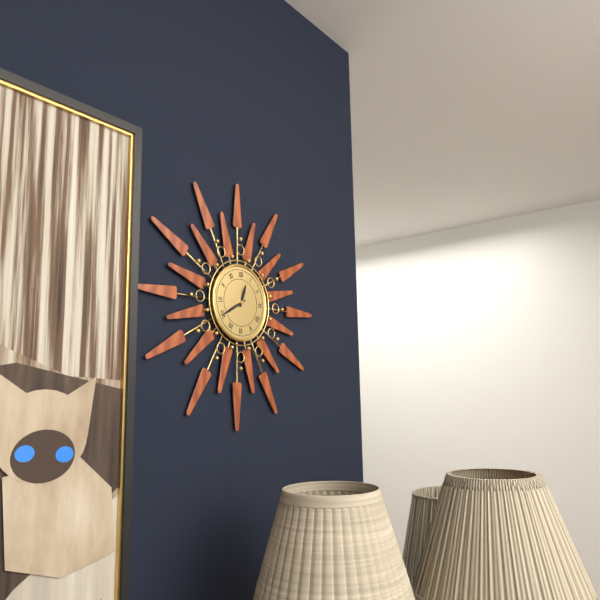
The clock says 12:40
